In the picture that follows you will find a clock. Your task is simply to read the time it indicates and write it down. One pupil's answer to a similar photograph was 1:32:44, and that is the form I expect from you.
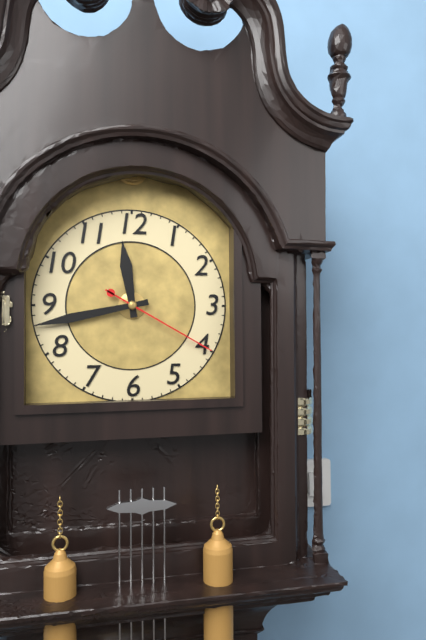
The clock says 11:43:20
